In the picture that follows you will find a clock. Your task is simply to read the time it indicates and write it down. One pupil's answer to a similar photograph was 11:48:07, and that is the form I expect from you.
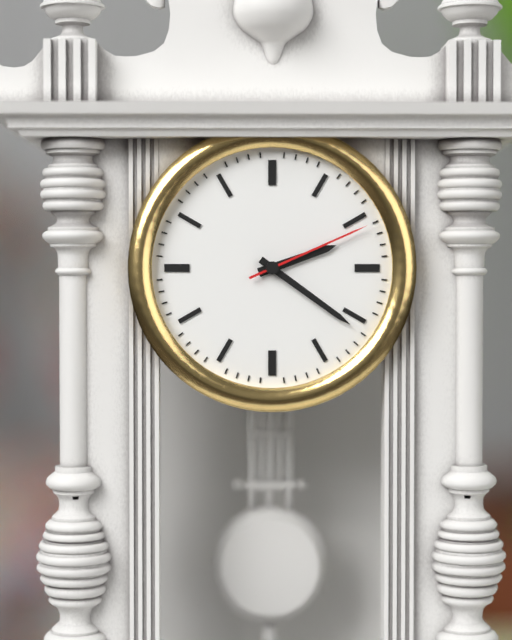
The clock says 2:21:11
